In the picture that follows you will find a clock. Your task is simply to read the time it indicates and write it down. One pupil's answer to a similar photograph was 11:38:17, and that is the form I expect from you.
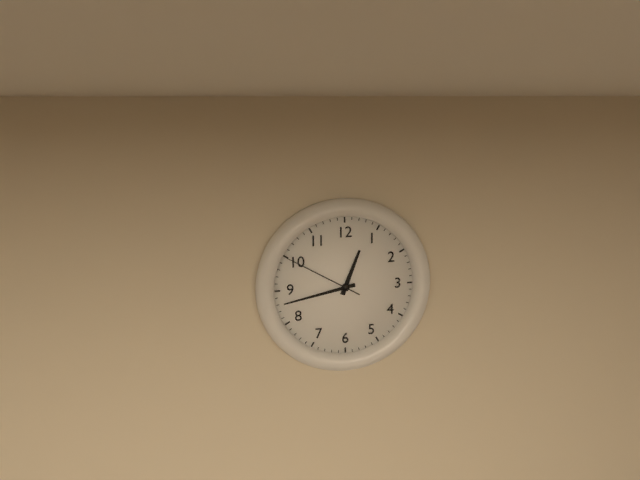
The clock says 12:43:50
